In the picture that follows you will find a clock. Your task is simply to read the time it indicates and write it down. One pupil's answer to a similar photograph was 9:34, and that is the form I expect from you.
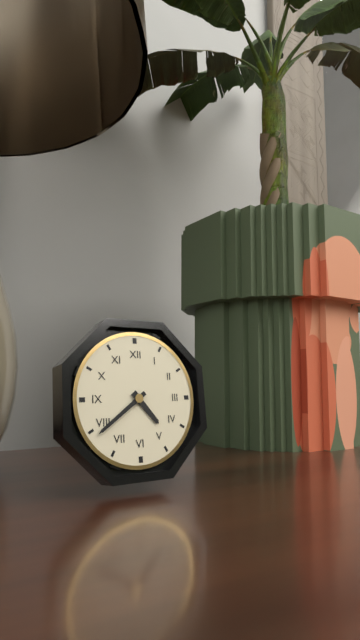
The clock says 4:39
